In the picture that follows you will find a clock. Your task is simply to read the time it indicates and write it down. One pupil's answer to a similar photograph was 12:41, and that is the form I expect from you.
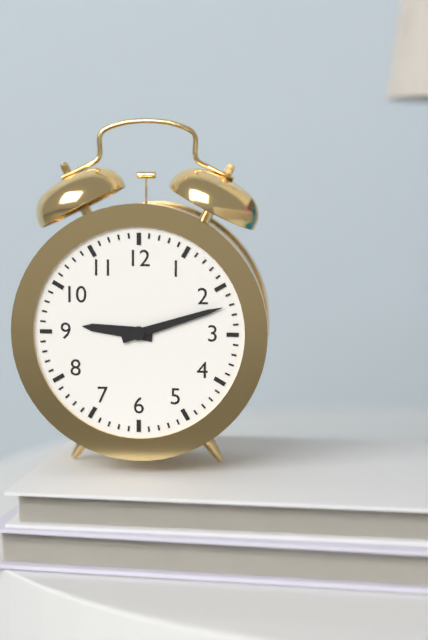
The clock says 9:12
